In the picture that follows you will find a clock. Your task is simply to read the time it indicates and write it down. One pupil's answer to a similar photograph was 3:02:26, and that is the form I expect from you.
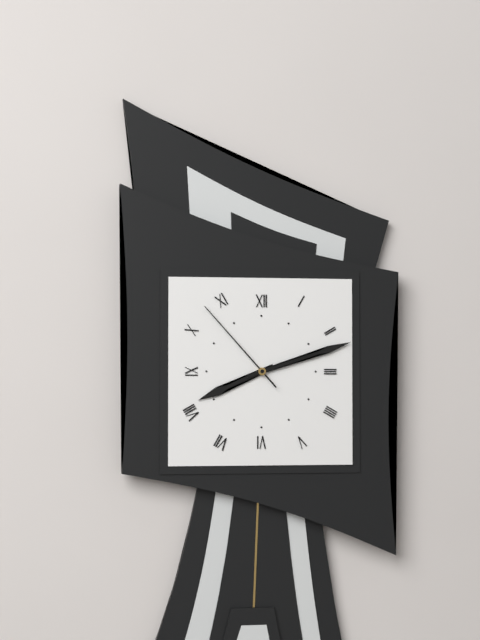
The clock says 8:12:53
